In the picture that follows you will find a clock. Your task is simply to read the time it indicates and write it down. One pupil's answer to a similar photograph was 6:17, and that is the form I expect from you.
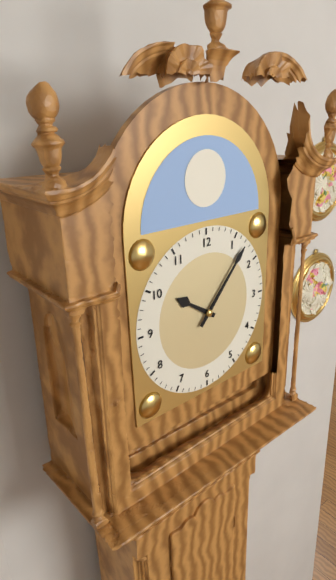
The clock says 10:07
